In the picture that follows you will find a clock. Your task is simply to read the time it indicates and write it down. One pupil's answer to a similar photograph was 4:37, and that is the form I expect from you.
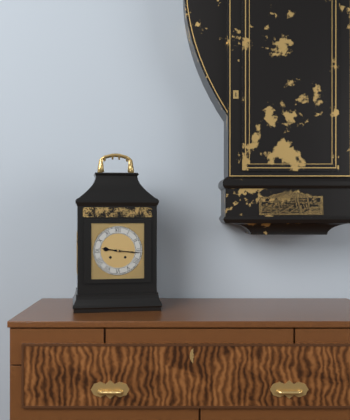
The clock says 9:16
